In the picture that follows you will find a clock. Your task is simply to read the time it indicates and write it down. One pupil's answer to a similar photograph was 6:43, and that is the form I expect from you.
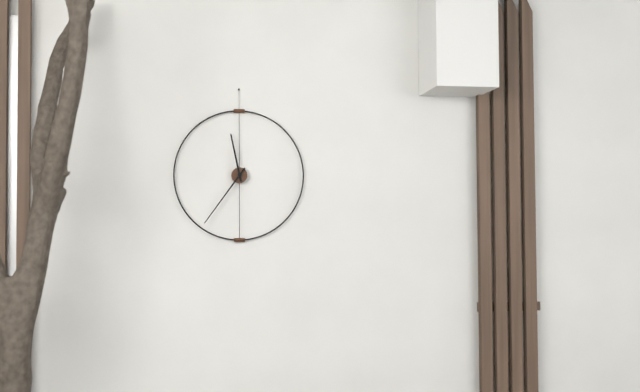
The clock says 11:36
